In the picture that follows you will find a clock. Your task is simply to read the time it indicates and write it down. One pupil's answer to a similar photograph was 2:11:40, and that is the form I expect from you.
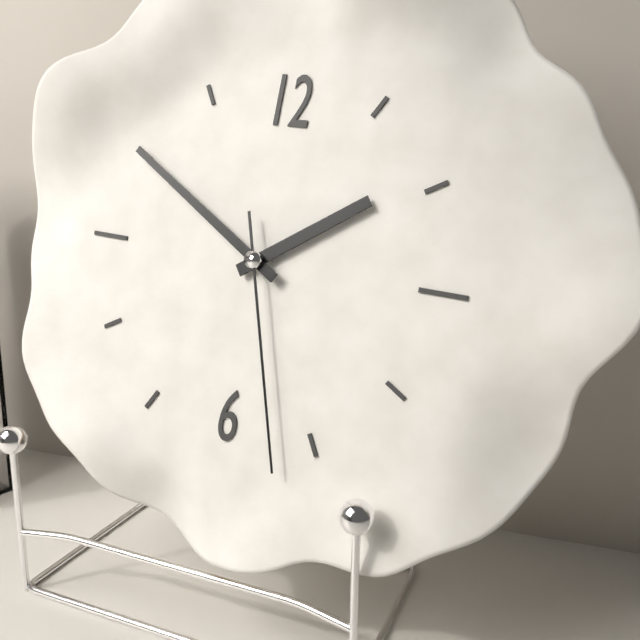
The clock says 1:50:27
